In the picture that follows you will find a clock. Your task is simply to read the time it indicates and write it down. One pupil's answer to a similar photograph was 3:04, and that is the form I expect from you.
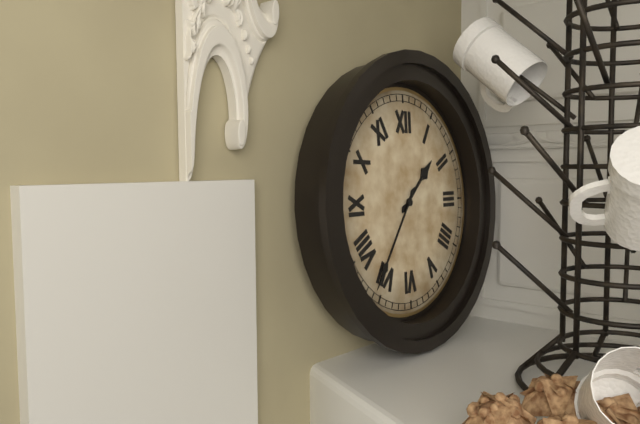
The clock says 1:36
